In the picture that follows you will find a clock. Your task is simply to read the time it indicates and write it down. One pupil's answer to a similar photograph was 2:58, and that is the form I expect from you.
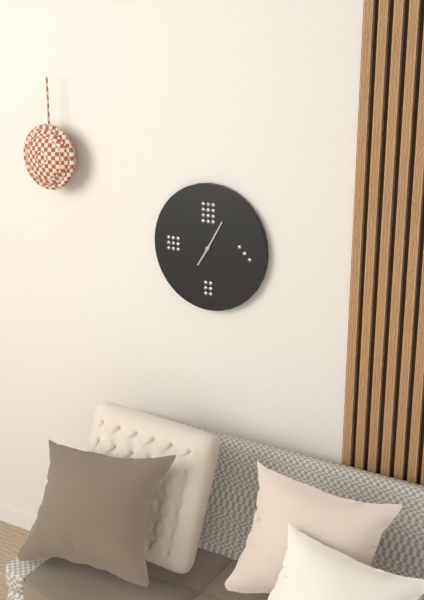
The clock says 7:05
